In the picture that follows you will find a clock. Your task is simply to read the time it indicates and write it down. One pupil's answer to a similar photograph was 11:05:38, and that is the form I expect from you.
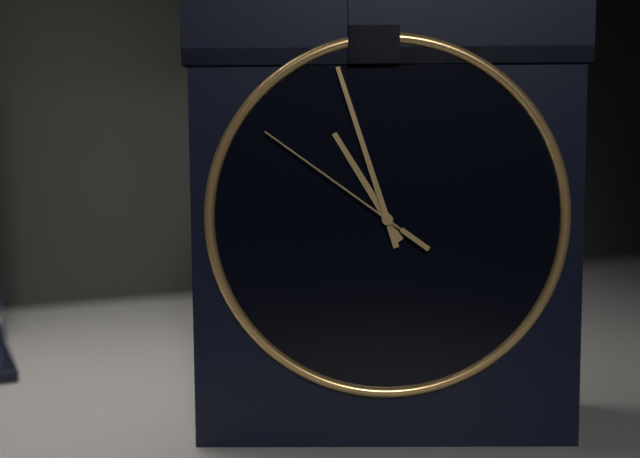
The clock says 10:57:51
